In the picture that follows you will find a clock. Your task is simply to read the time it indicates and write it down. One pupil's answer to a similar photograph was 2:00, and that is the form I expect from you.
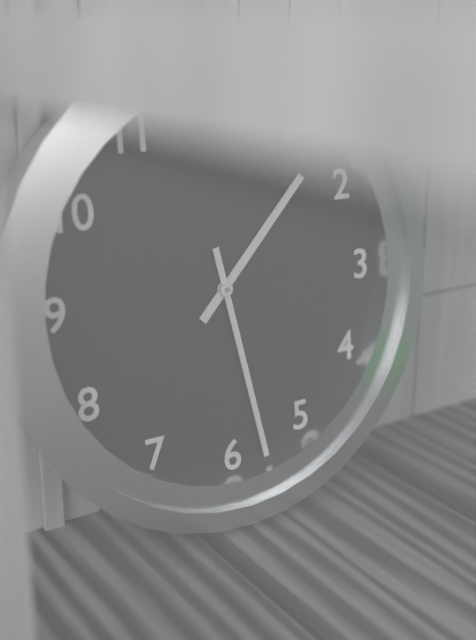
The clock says 1:28
